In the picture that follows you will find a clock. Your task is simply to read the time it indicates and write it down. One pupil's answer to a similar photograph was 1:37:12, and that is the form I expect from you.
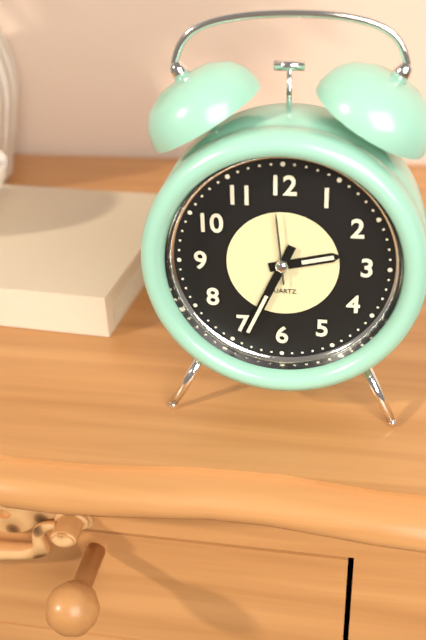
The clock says 2:34:59
